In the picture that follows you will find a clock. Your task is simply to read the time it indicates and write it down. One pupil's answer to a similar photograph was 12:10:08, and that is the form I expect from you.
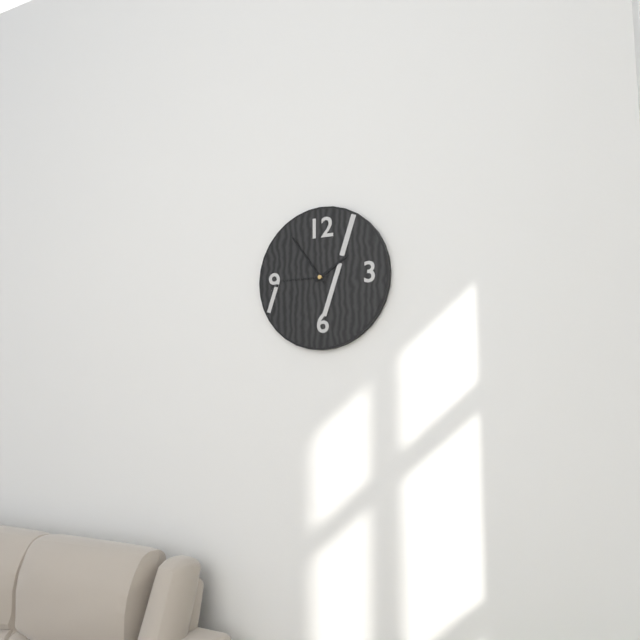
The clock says 1:54:45
